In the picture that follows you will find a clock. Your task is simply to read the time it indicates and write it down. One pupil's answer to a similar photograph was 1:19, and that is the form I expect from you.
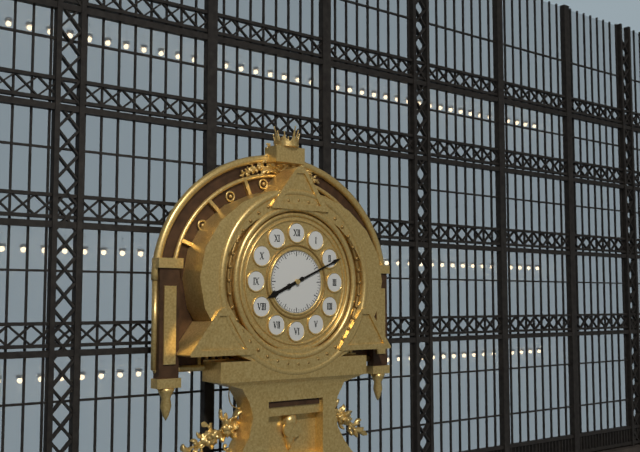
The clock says 8:11
